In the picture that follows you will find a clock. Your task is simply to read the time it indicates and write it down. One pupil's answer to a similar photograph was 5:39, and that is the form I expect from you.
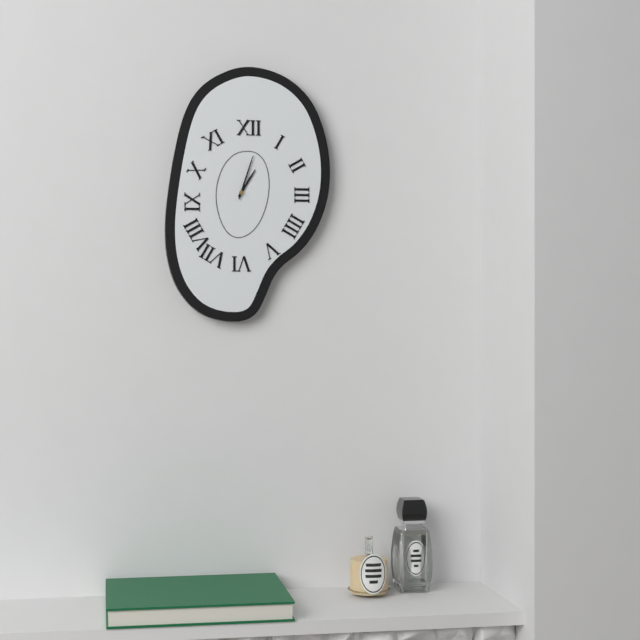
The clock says 1:03
